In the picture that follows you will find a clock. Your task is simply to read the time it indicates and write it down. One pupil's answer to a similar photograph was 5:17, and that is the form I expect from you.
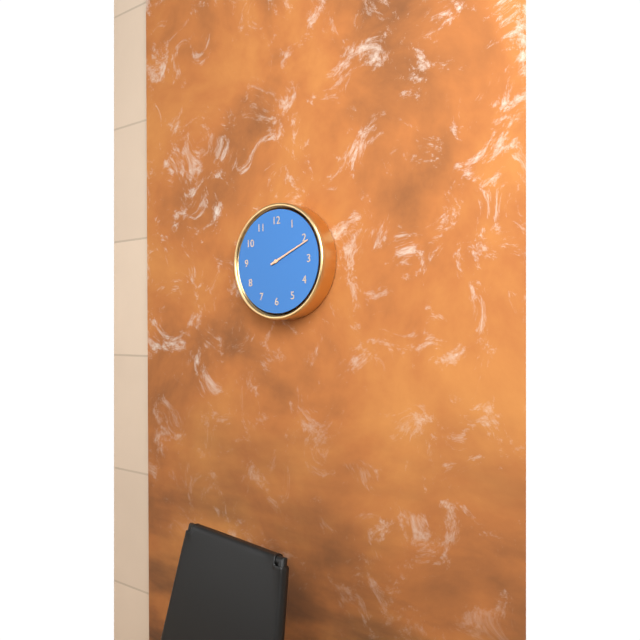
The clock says 2:11
